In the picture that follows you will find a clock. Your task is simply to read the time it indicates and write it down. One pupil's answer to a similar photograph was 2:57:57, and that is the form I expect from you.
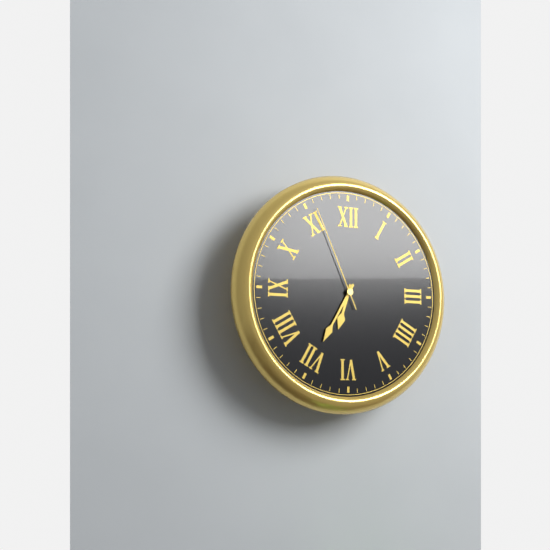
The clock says 6:35:56
